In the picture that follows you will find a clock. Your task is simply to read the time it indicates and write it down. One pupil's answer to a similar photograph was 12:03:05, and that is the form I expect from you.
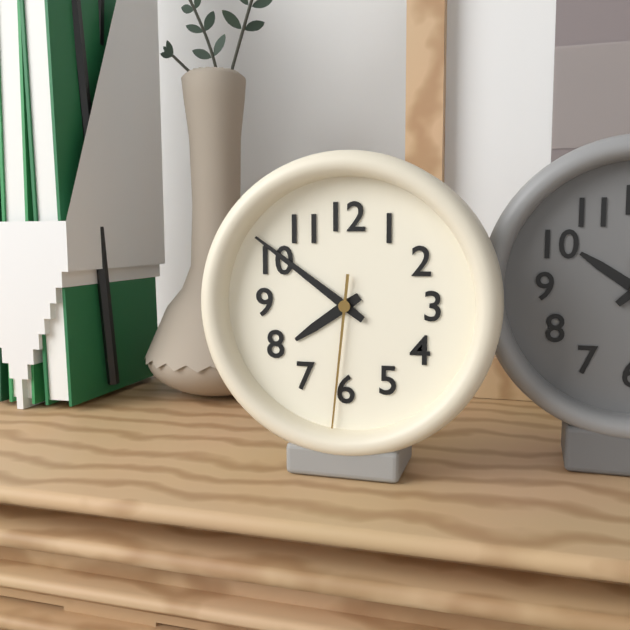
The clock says 7:51:31
